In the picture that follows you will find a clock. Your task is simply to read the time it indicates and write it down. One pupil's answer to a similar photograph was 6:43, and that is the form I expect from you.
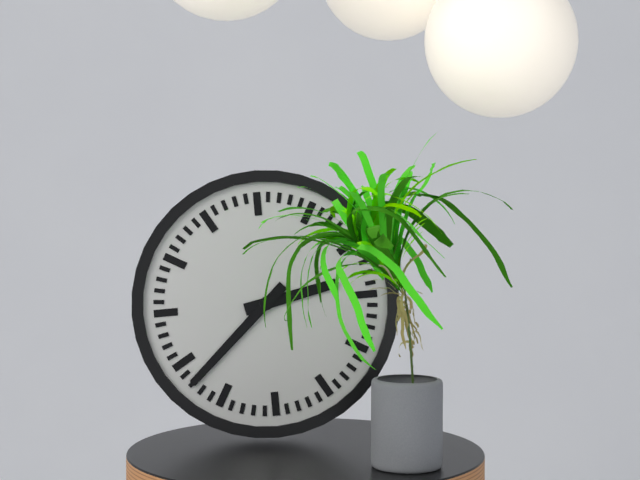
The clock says 2:38
